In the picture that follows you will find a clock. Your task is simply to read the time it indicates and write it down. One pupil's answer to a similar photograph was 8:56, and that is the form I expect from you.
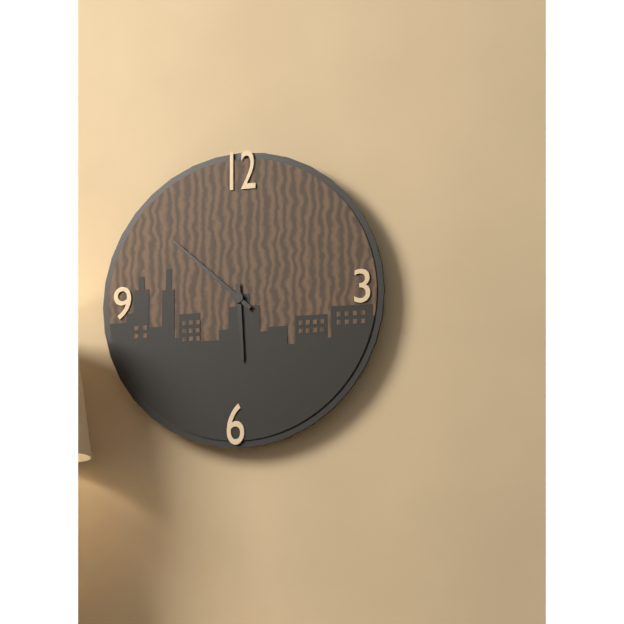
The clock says 5:52
